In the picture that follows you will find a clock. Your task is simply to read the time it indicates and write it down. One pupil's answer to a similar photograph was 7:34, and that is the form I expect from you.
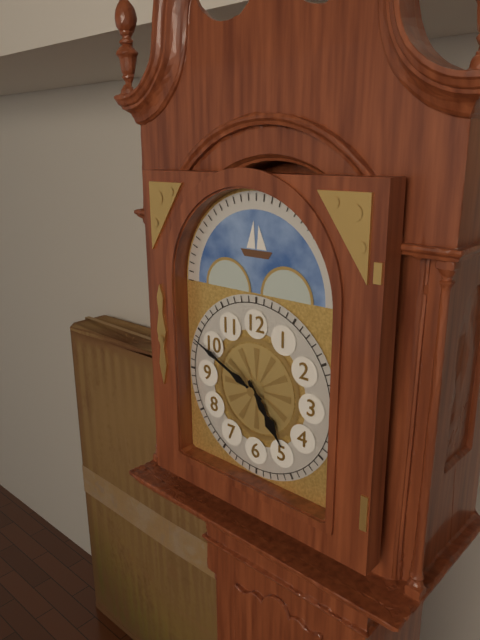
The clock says 4:49
